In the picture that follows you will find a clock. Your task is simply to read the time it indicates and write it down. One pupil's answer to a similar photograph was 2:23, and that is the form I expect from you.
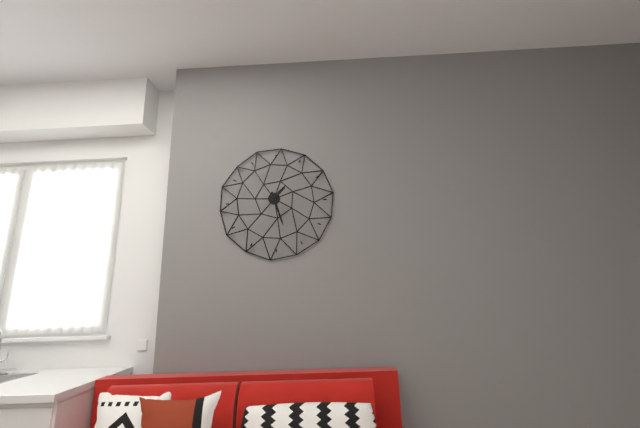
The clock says 1:27
